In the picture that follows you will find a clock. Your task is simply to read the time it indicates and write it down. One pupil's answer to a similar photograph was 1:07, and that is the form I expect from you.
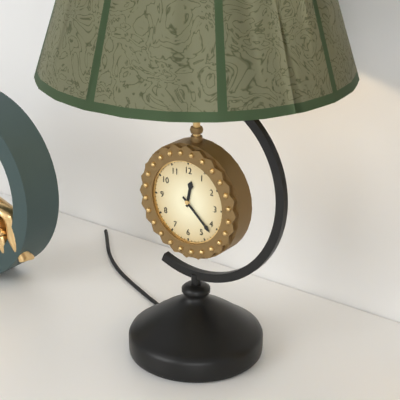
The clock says 12:22
